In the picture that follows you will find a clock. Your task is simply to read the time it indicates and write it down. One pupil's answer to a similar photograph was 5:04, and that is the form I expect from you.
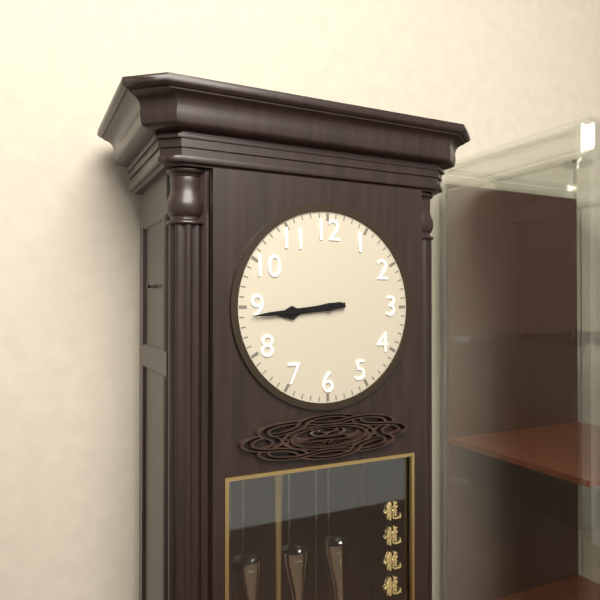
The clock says 8:44
